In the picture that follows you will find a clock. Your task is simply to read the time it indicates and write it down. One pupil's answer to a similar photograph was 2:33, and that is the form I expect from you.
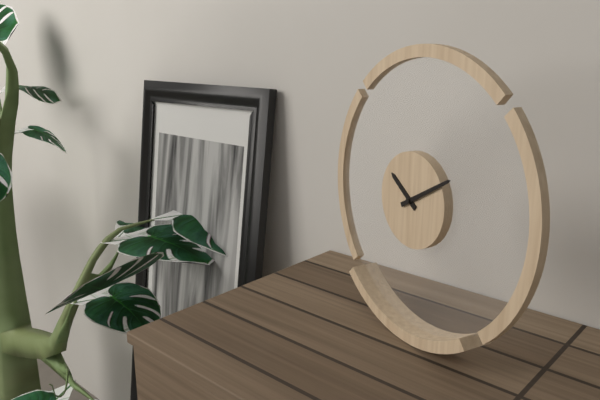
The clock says 10:10
